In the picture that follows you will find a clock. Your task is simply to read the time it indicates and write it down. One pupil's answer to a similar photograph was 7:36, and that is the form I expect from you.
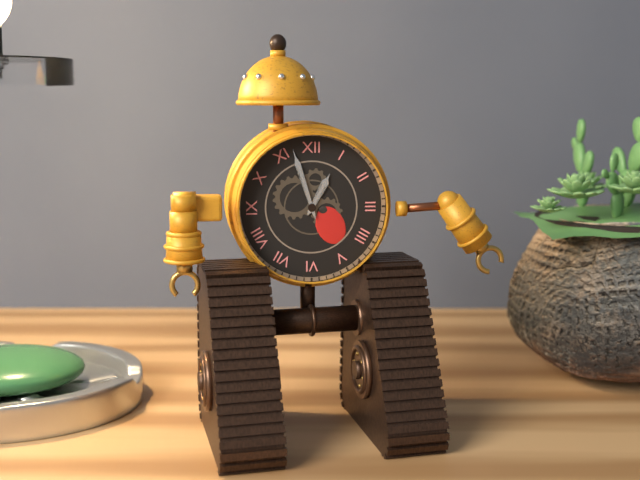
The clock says 12:57
